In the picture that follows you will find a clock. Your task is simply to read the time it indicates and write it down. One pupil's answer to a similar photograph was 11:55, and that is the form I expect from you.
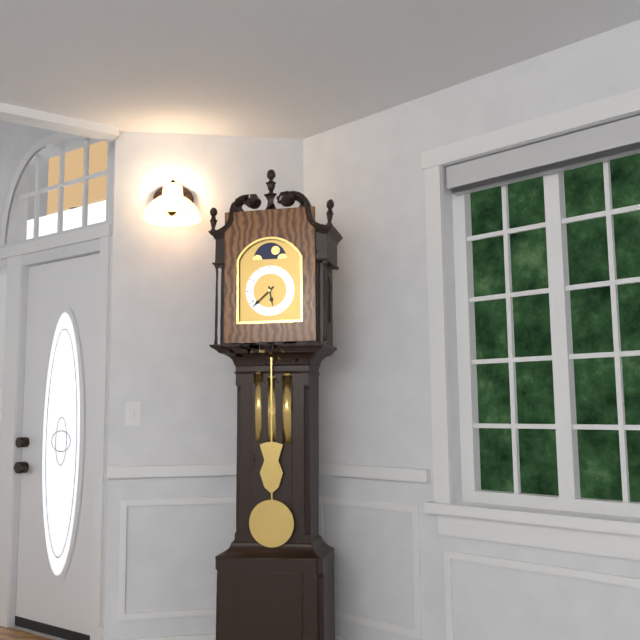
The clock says 5:38
